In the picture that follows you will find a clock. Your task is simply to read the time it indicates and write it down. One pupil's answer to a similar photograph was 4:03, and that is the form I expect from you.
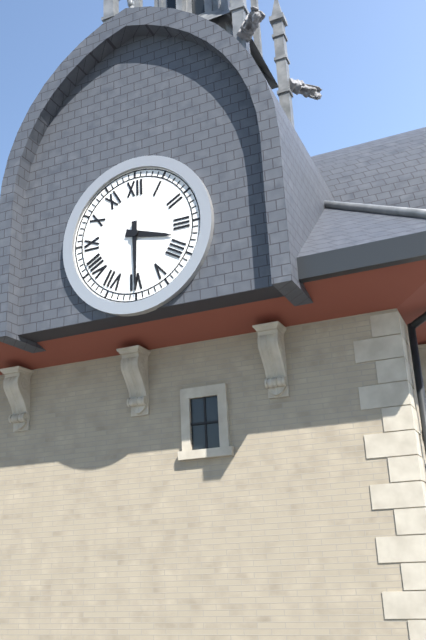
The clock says 3:30
